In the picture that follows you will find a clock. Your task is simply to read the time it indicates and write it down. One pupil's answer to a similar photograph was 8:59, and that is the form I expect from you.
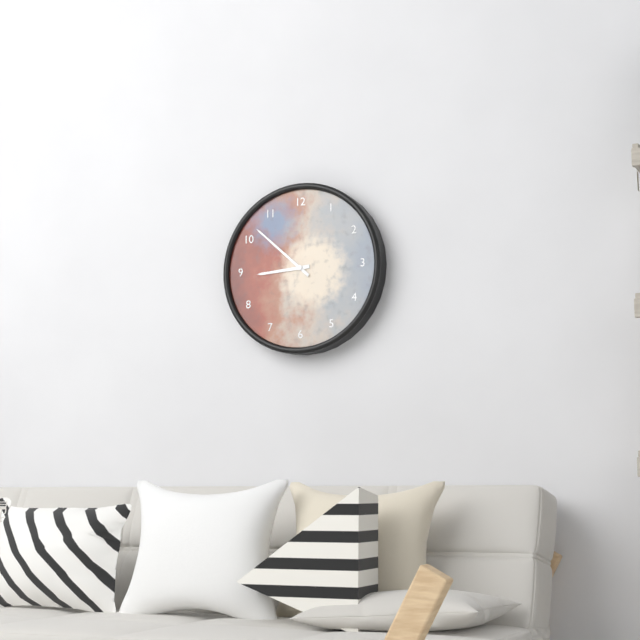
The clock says 8:52
